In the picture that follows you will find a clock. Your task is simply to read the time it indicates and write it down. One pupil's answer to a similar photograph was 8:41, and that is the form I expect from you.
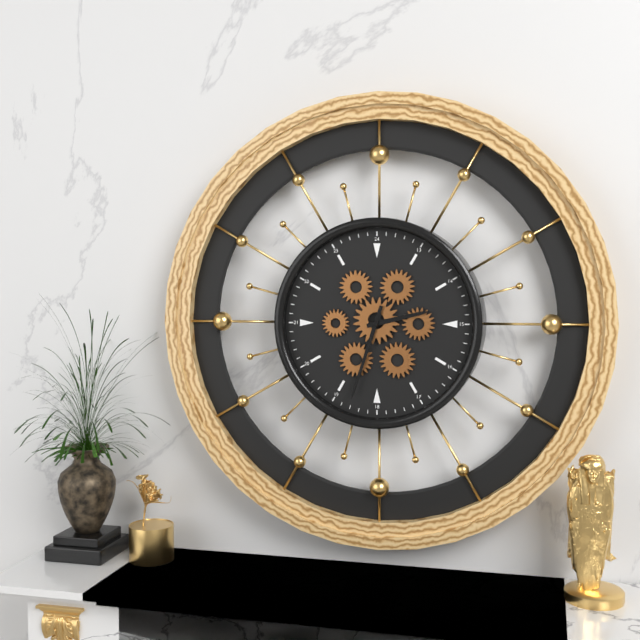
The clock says 2:33
